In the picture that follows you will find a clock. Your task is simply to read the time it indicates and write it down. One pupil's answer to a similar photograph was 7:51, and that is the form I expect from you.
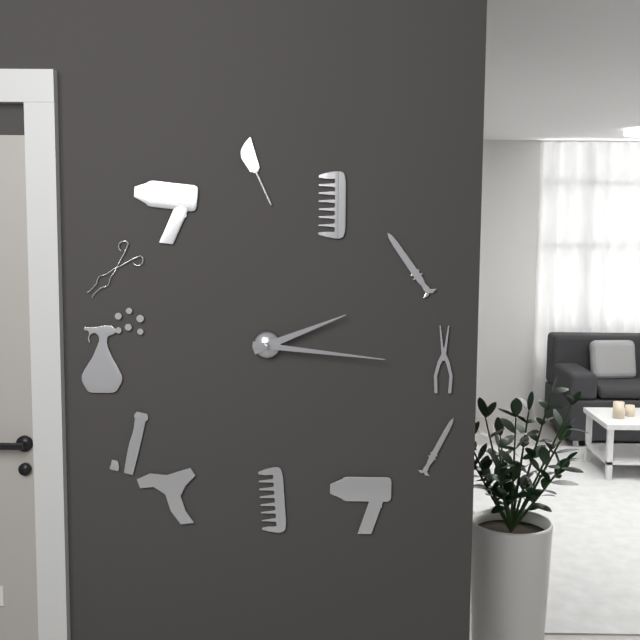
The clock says 2:16
